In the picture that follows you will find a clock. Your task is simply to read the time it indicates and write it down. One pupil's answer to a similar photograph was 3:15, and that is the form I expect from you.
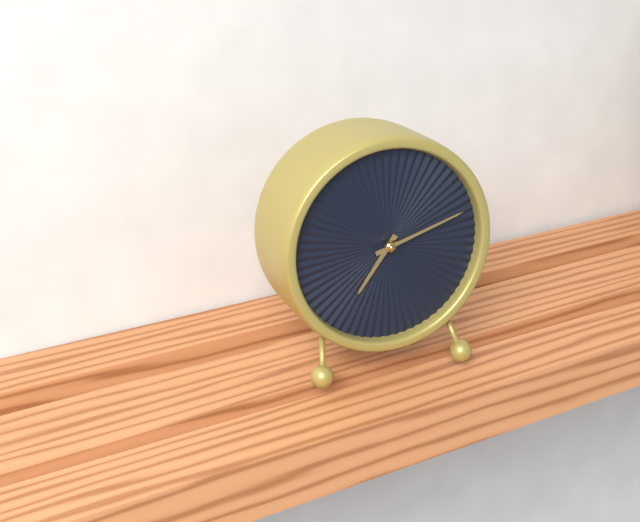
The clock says 7:12
